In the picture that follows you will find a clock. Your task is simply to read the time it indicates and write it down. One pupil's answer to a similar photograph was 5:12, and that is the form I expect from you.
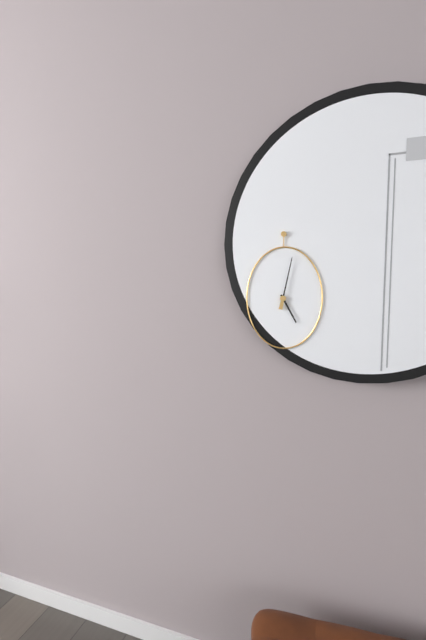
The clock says 5:02
